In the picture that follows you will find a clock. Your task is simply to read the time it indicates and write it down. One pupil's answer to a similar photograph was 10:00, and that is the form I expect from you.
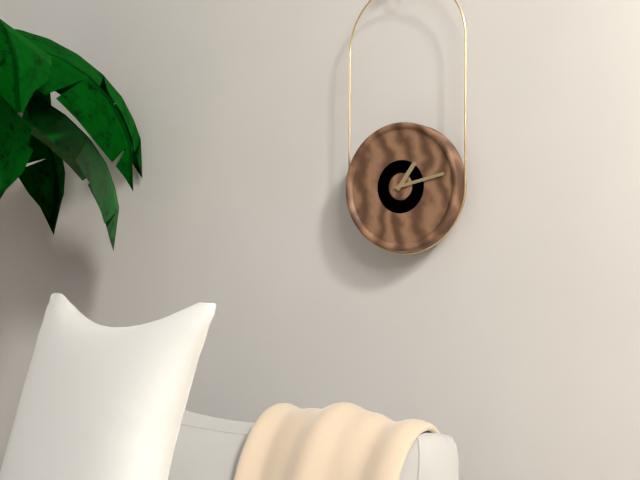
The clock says 1:13
